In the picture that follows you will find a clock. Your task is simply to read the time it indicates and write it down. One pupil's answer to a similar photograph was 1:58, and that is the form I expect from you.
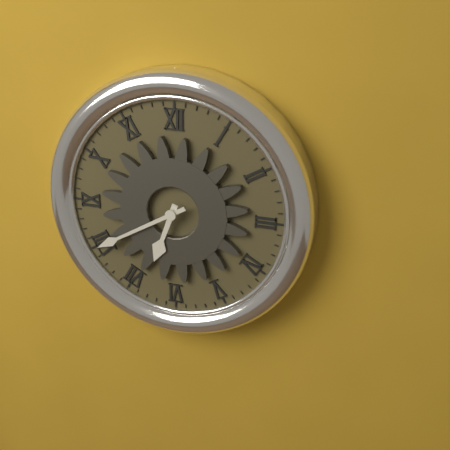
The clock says 6:40
